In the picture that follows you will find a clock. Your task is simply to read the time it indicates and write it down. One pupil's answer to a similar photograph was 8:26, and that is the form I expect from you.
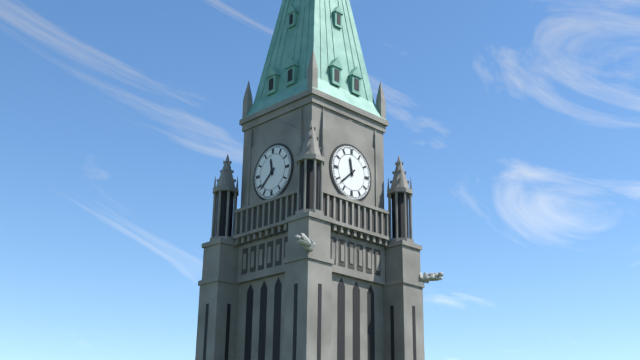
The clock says 11:38
